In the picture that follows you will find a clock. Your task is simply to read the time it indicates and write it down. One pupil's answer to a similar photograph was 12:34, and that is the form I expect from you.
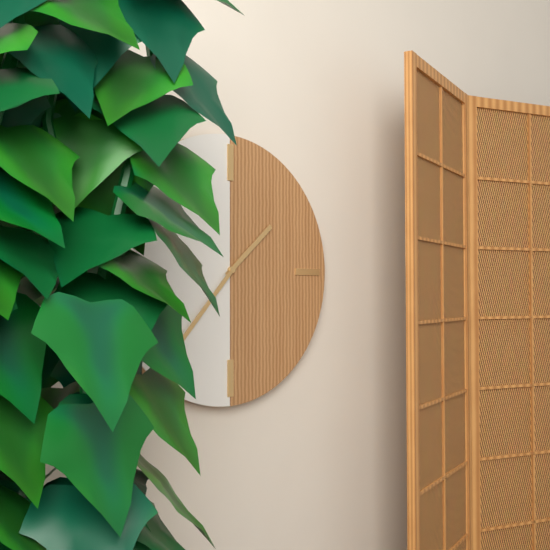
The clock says 1:37
